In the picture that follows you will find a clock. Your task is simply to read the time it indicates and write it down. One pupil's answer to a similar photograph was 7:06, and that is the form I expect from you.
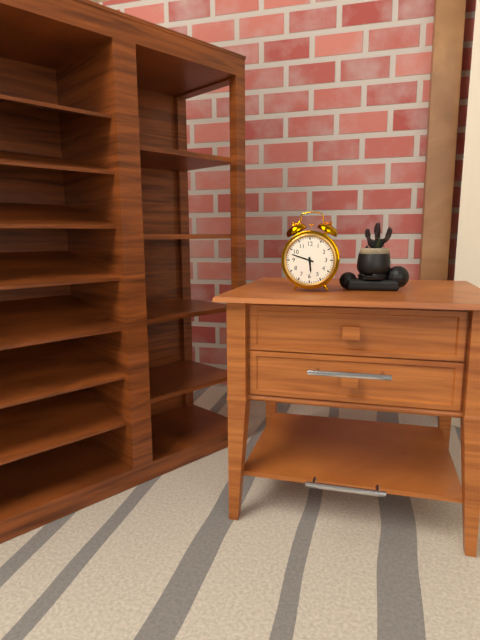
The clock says 5:48
